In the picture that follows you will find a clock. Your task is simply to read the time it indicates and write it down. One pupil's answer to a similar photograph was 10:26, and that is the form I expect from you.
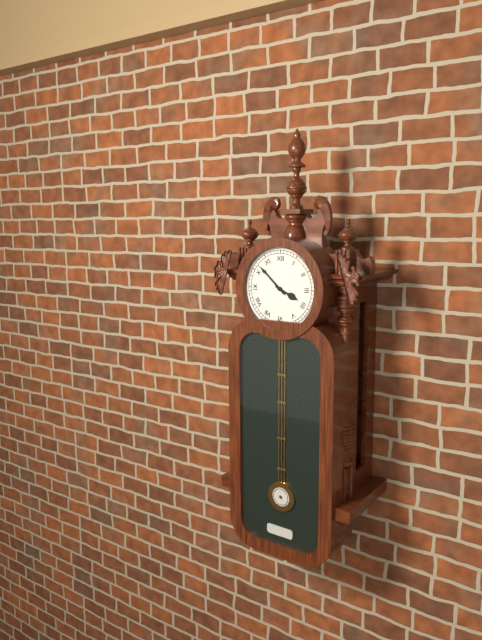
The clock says 3:52
